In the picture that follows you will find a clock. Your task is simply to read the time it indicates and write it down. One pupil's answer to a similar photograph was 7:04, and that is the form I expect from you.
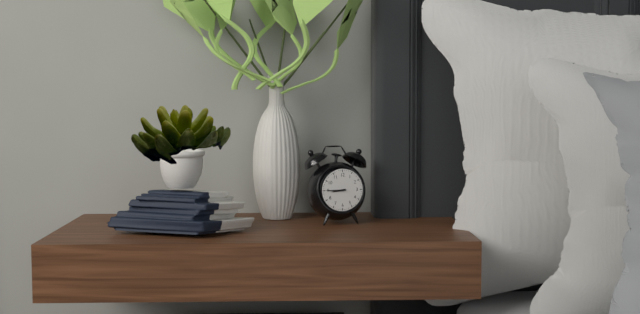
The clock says 8:45
